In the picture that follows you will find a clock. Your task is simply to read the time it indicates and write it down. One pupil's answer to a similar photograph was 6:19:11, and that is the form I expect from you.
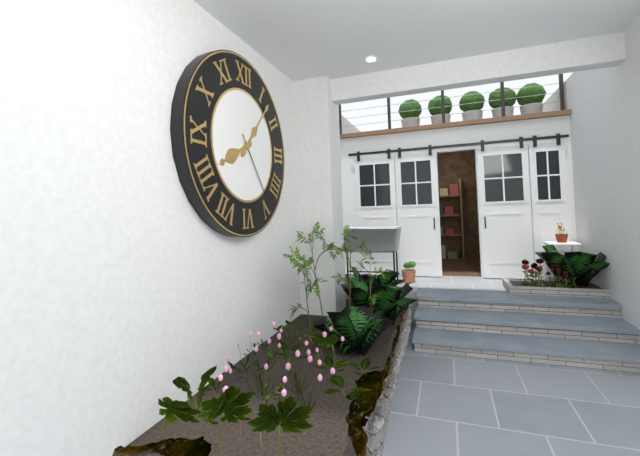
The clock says 8:07:24
